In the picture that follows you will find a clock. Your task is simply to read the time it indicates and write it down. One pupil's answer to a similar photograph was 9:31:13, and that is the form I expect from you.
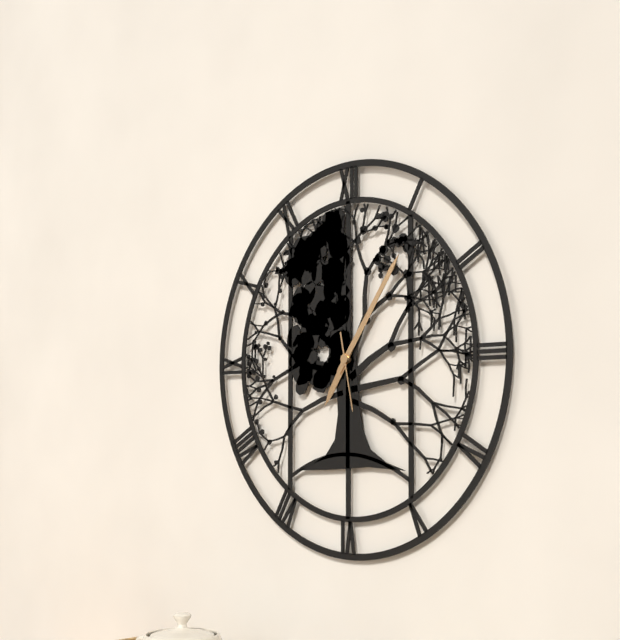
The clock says 7:06:28
